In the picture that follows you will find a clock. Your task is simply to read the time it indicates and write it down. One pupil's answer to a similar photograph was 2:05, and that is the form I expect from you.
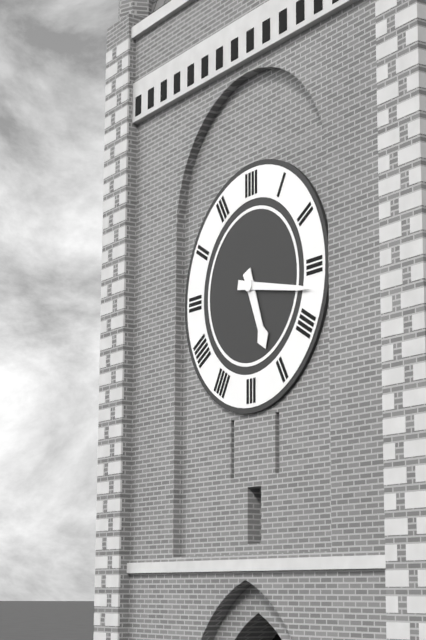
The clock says 5:17
